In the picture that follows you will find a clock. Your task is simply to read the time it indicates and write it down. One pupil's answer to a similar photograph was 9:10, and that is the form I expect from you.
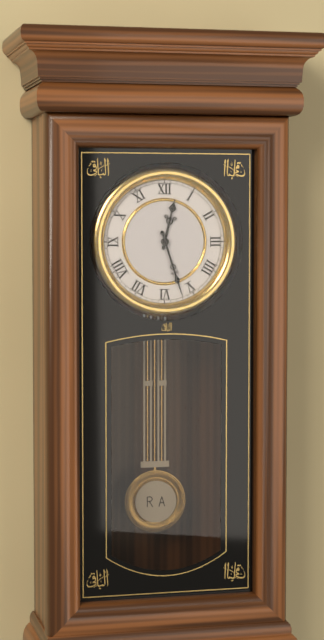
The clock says 12:27
